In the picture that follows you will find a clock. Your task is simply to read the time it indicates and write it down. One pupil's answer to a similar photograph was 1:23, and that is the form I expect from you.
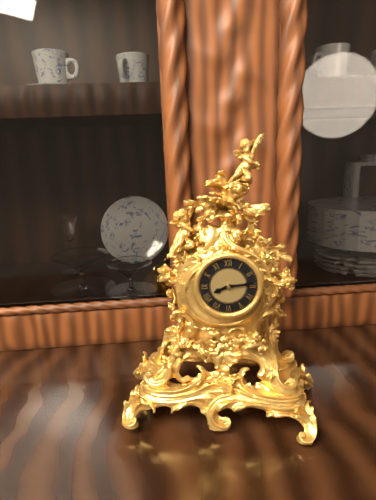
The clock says 8:14
